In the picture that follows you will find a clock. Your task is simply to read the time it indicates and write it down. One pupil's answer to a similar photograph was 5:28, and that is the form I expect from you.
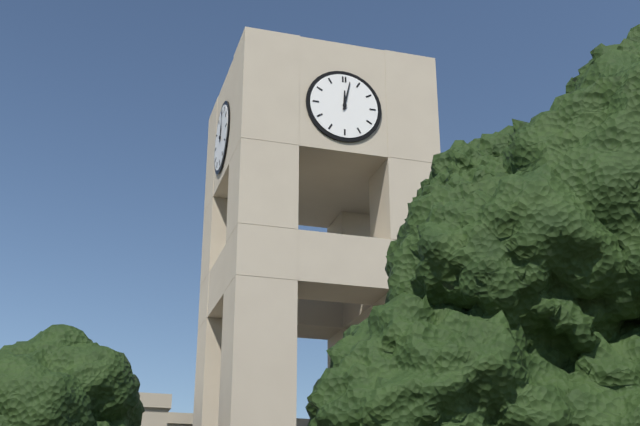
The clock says 12:02
